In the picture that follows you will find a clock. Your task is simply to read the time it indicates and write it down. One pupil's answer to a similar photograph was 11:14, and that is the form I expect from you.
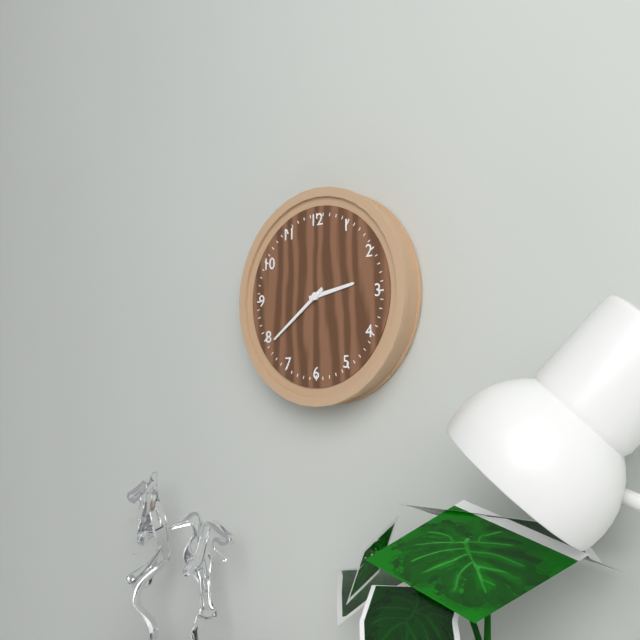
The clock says 2:39
